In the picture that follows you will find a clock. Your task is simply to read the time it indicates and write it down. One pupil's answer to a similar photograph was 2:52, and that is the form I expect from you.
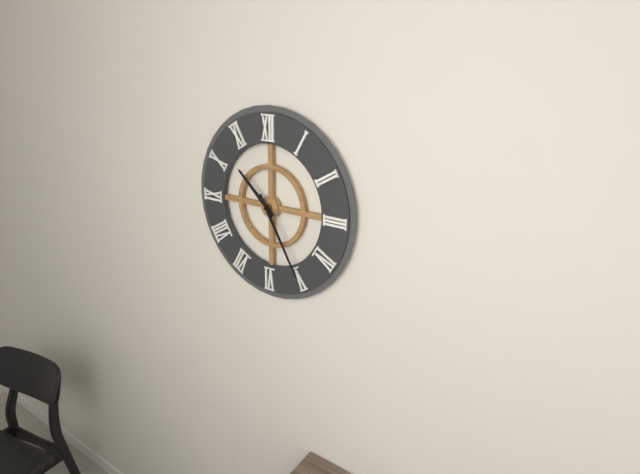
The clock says 10:25
